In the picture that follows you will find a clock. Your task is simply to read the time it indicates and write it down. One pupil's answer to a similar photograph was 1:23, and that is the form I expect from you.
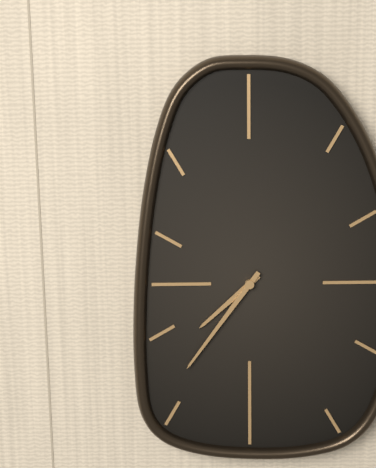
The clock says 7:36
